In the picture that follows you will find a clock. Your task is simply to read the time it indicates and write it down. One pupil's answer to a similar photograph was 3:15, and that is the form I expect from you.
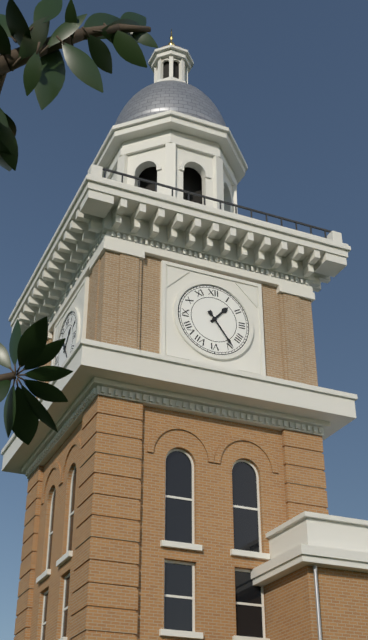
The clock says 1:24
